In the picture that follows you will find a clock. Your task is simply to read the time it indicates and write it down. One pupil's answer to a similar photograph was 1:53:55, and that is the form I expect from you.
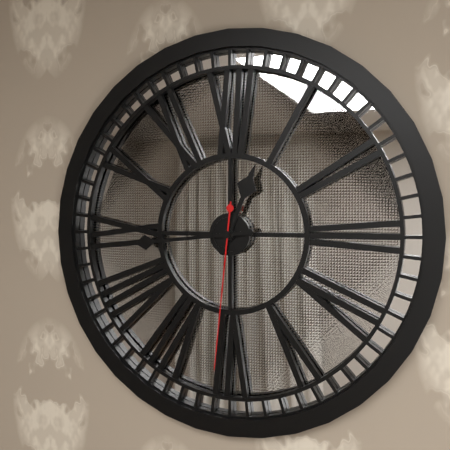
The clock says 12:44:31
